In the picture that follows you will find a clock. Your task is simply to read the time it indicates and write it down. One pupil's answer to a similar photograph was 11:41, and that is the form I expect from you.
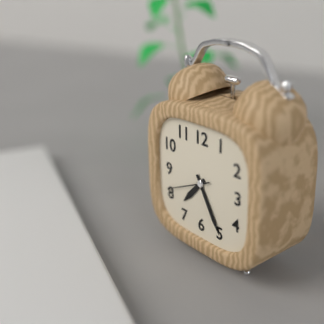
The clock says 7:25
